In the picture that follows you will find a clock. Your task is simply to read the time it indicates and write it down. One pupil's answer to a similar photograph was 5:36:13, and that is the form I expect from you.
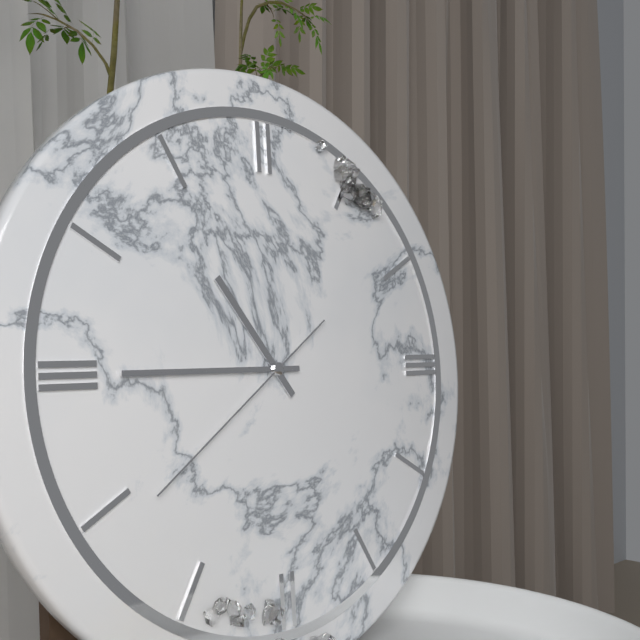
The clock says 10:45:39
